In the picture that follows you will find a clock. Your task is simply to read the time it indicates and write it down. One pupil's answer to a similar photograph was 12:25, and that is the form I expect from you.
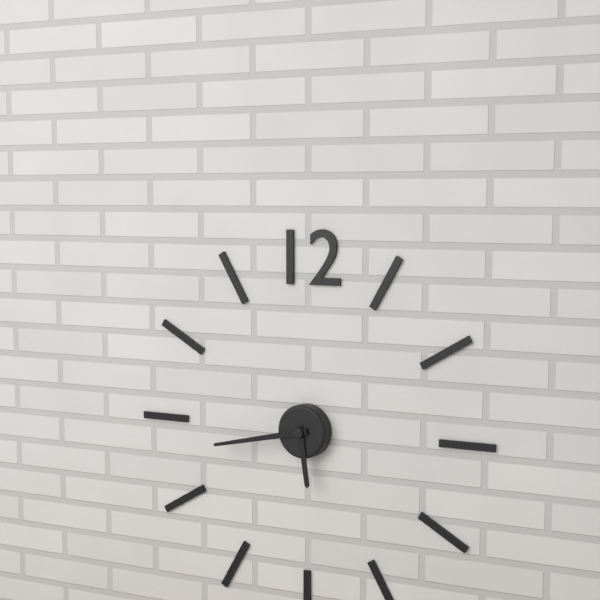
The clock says 5:43
